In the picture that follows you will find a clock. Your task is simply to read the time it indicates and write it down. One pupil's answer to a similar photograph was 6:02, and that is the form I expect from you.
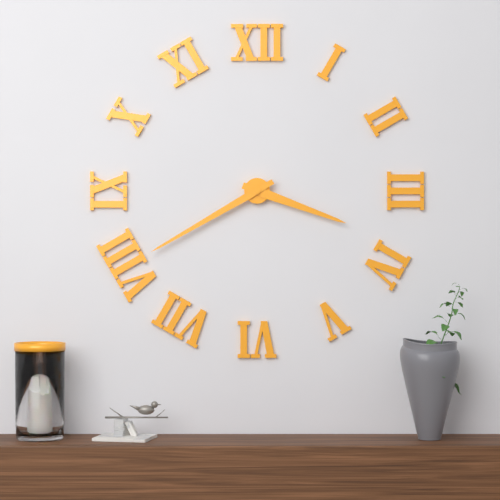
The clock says 3:40
